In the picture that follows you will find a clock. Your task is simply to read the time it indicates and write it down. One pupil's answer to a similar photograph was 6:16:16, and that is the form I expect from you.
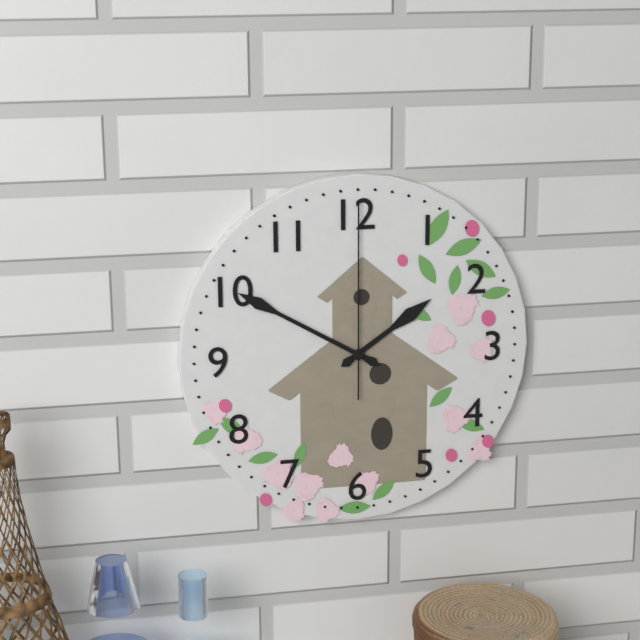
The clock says 1:50:00
